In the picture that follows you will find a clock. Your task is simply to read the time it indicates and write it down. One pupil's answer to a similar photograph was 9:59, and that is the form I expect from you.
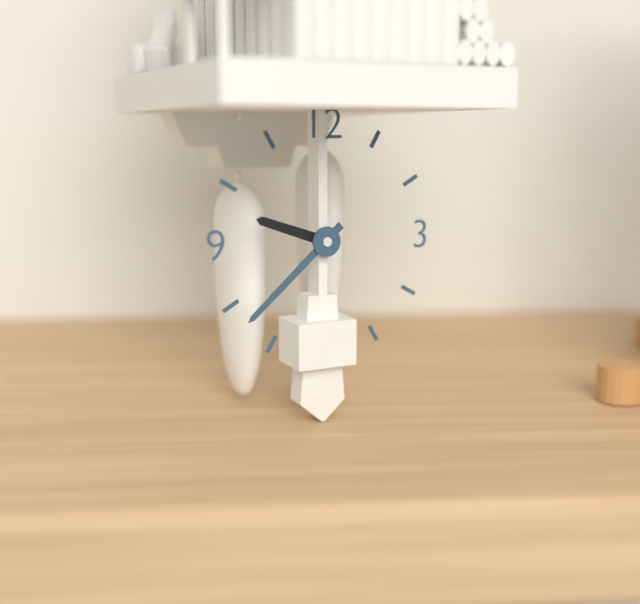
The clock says 9:38
